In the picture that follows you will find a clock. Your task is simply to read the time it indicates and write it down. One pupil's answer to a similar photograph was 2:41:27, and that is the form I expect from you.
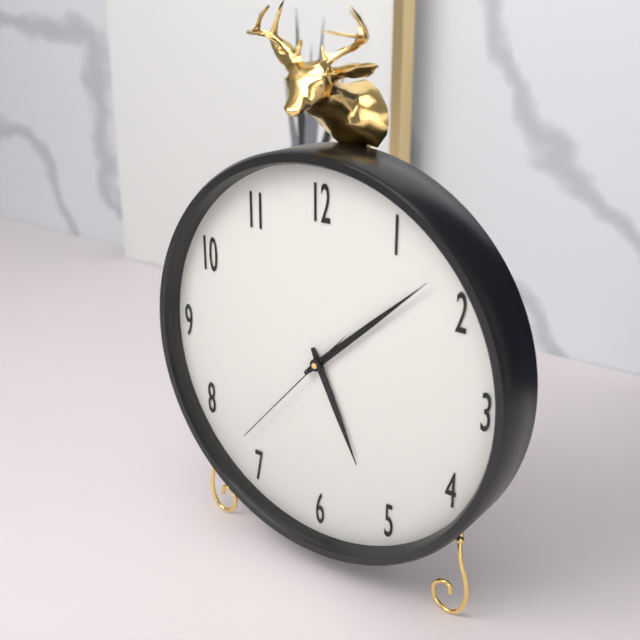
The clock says 5:08:37
